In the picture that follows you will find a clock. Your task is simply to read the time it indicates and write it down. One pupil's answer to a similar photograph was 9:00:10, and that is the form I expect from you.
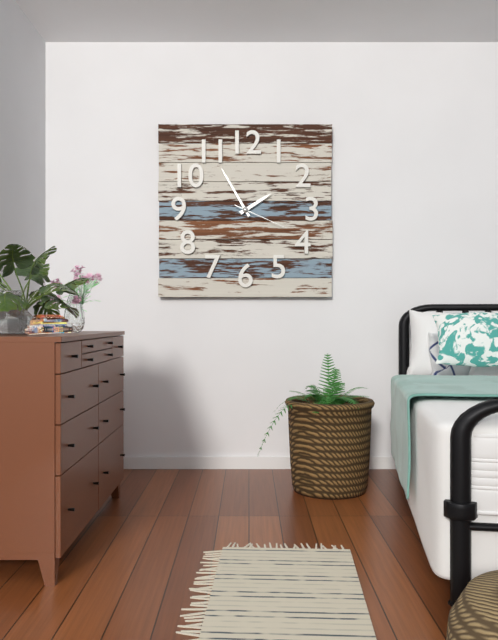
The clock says 1:55:19
